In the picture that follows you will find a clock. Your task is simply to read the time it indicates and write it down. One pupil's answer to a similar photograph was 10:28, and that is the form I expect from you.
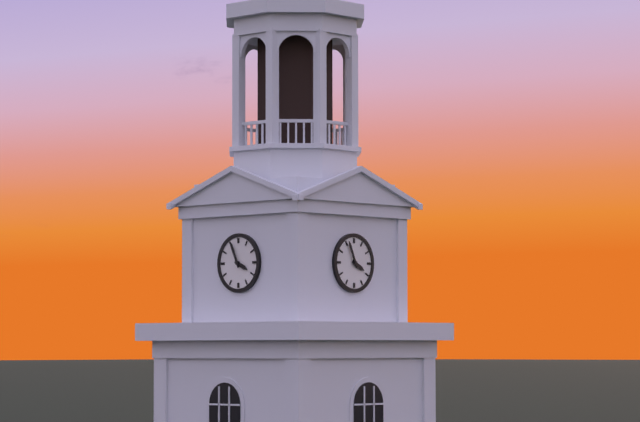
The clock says 3:56
